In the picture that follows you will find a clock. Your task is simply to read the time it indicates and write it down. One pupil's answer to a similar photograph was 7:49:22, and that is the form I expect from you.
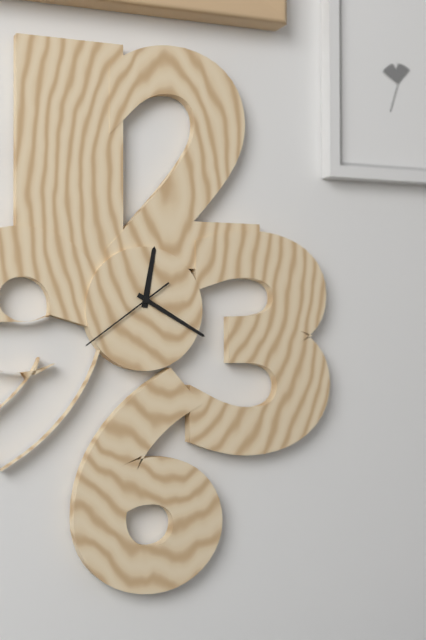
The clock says 12:20:39
